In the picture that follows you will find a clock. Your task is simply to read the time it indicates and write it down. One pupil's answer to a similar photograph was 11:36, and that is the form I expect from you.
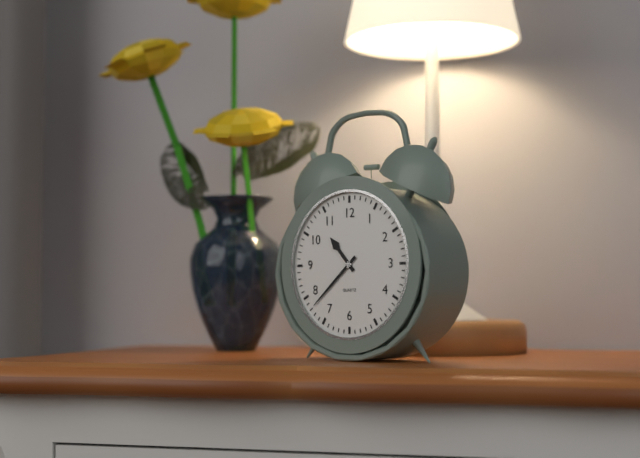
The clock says 10:38
